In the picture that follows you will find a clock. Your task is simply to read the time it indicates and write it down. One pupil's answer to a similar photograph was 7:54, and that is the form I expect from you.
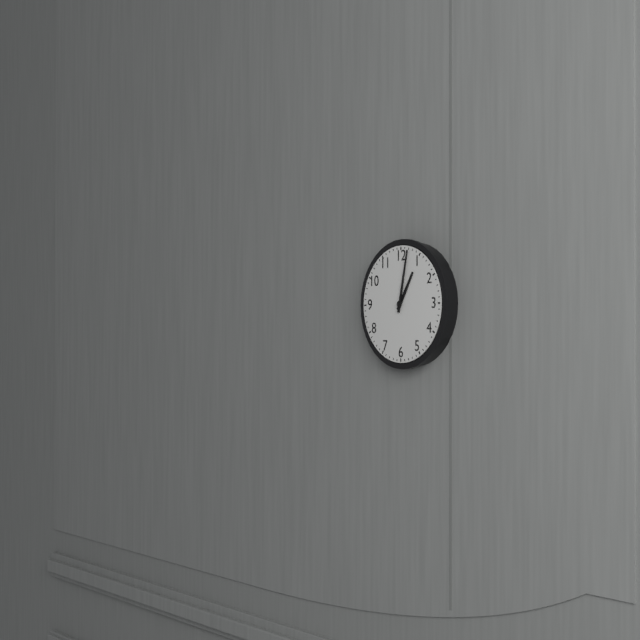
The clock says 1:02
